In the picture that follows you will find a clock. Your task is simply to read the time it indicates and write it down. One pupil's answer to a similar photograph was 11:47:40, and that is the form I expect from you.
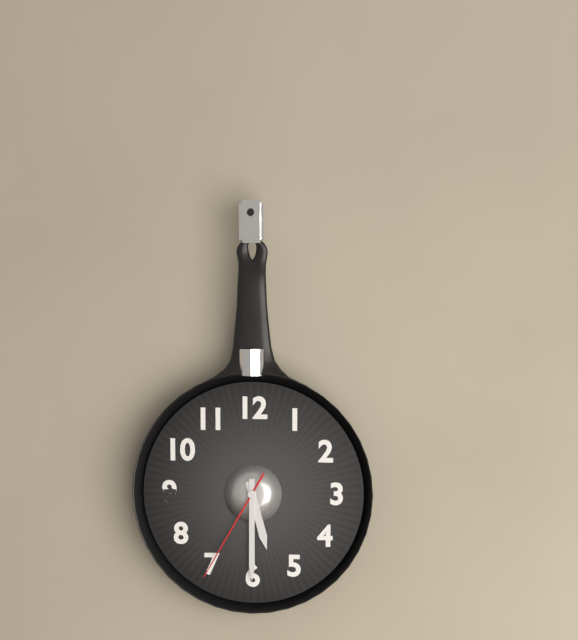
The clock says 5:30:35
